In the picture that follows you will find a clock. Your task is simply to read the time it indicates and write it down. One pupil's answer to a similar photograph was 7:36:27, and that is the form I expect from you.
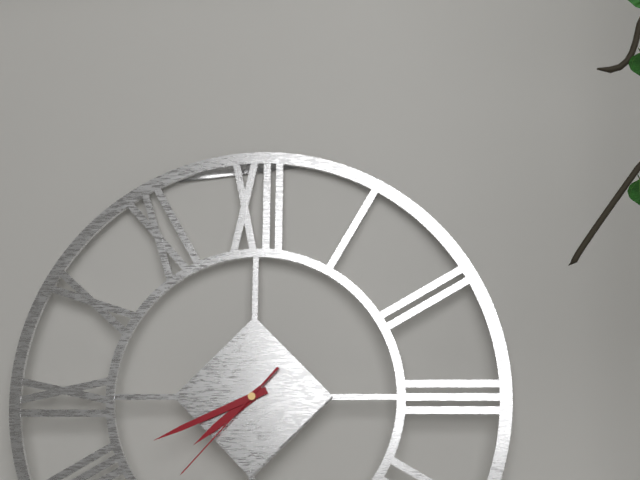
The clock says 7:41:37
